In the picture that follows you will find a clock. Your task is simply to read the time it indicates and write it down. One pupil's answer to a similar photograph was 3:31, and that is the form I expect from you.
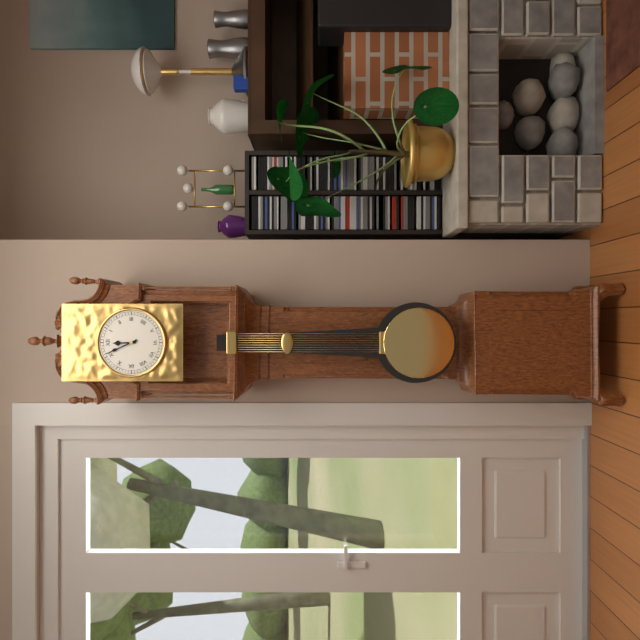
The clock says 11:56
